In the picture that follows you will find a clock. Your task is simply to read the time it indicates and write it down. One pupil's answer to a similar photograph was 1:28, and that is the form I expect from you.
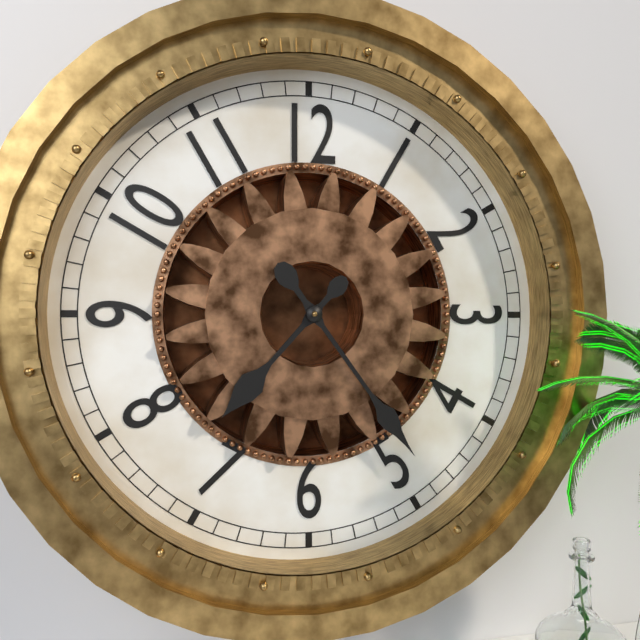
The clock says 7:24
